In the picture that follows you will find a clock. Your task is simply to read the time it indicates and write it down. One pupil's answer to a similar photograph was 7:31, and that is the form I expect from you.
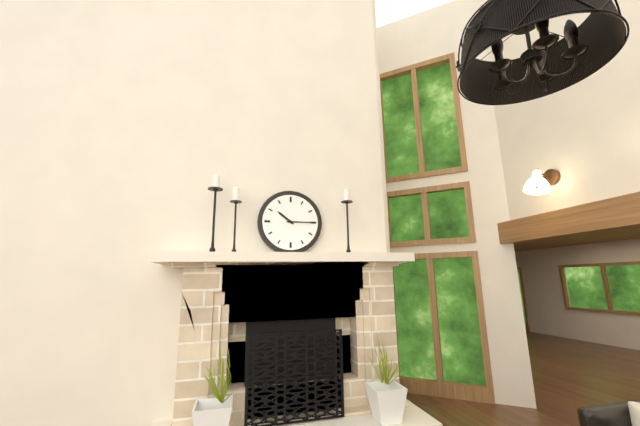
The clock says 10:15
